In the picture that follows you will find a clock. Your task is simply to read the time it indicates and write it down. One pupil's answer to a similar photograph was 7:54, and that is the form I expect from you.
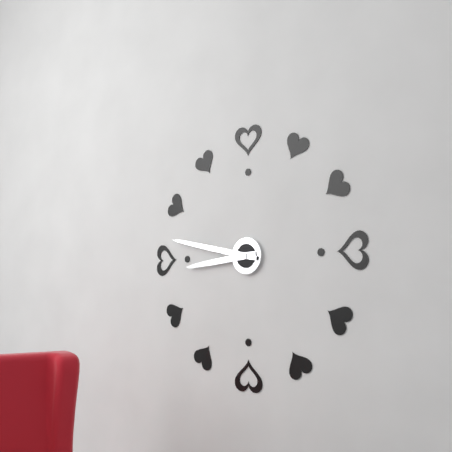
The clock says 8:47
